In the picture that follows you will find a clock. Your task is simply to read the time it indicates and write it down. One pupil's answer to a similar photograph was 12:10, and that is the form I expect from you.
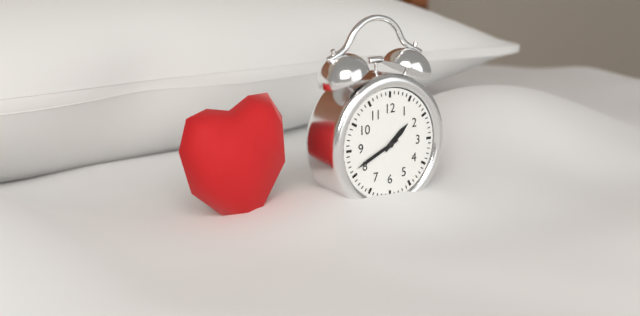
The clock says 1:41
